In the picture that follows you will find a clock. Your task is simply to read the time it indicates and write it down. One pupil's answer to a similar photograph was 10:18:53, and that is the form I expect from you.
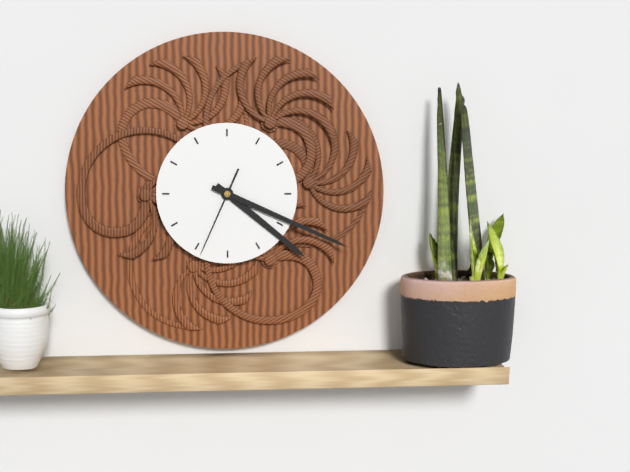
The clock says 4:19:34
